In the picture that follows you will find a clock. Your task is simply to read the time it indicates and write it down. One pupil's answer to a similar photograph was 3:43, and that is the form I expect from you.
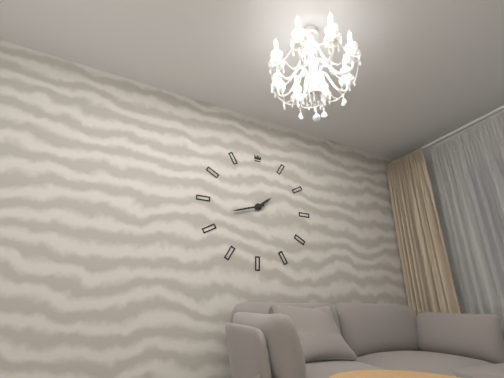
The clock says 1:42
